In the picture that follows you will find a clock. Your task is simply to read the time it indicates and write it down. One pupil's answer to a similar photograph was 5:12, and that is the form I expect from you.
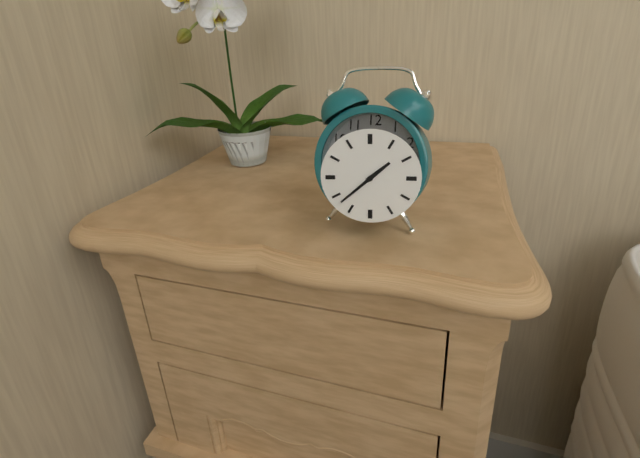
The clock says 1:38
